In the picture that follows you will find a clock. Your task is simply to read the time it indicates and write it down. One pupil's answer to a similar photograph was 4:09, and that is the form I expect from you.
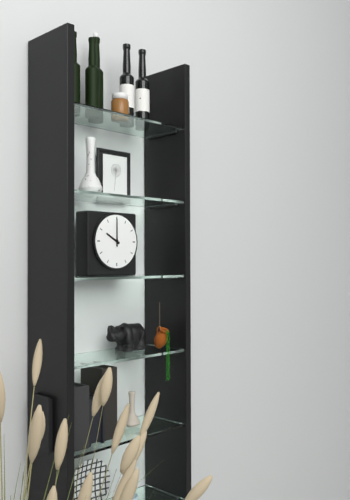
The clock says 10:00
